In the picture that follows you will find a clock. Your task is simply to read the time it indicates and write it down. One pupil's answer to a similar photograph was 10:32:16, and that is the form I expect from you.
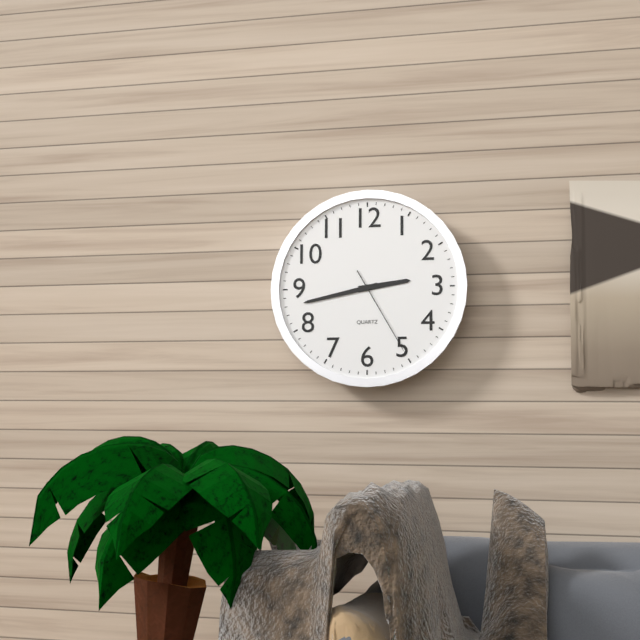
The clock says 2:43:25
